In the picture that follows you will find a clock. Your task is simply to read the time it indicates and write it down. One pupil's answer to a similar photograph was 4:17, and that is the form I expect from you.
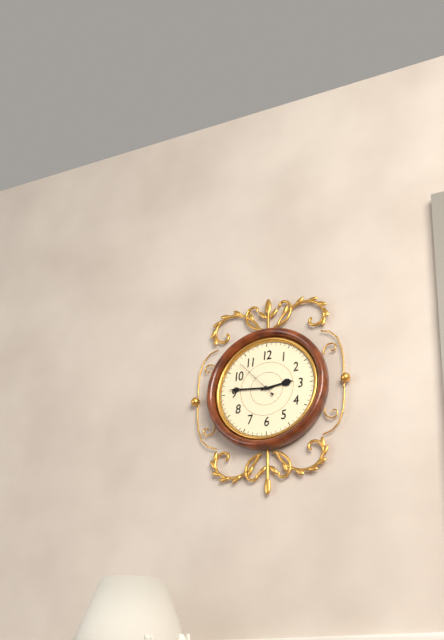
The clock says 2:46
